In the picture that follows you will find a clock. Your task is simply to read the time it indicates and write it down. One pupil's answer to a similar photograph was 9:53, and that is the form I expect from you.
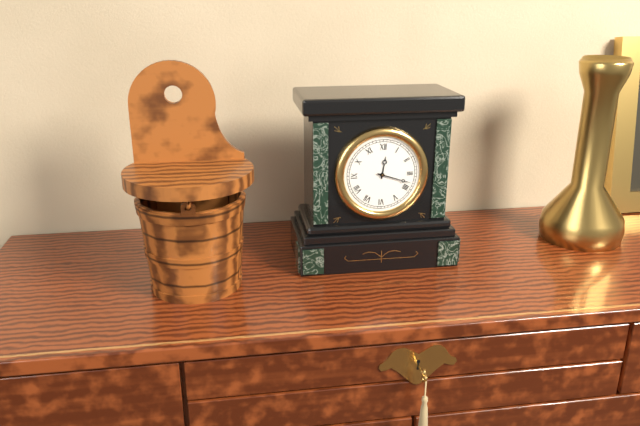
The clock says 12:18
